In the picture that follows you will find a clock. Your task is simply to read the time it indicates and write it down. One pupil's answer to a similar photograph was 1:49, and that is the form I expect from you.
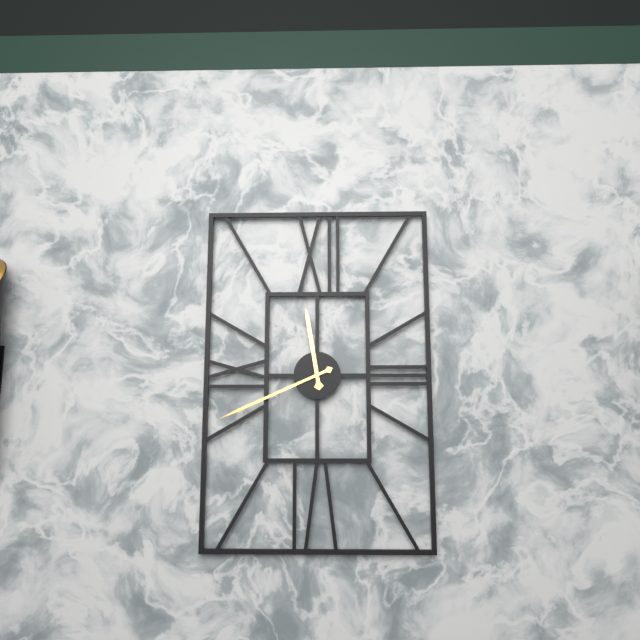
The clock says 11:41
